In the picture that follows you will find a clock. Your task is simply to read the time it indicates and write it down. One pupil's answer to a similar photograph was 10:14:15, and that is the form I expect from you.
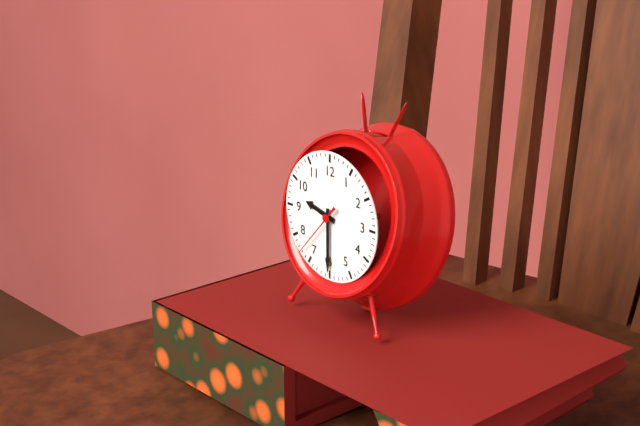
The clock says 9:30:37
